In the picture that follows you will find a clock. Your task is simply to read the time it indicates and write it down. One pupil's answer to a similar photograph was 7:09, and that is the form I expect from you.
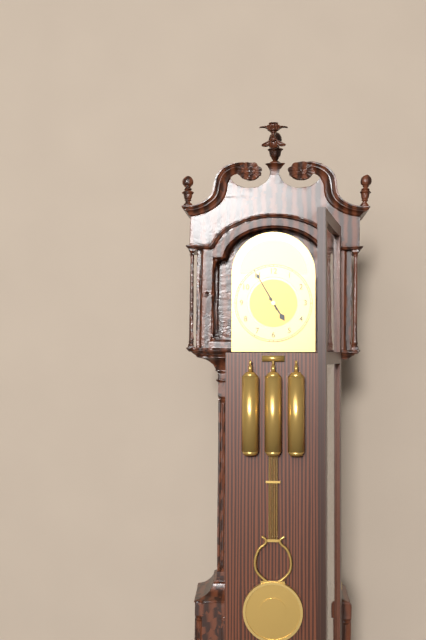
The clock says 4:55
